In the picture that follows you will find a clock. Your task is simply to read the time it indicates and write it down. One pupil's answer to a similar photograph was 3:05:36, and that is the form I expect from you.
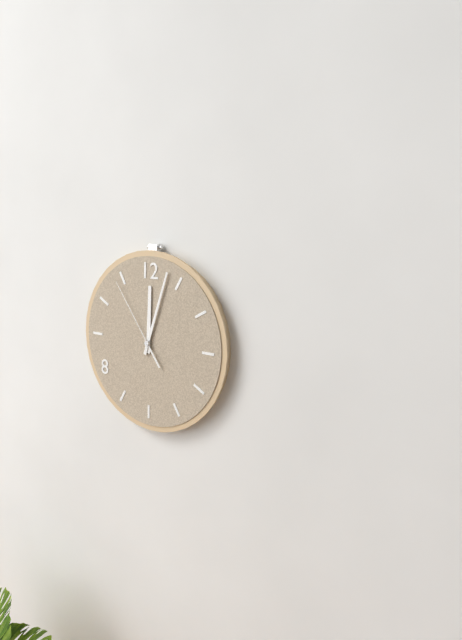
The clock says 12:03:54
